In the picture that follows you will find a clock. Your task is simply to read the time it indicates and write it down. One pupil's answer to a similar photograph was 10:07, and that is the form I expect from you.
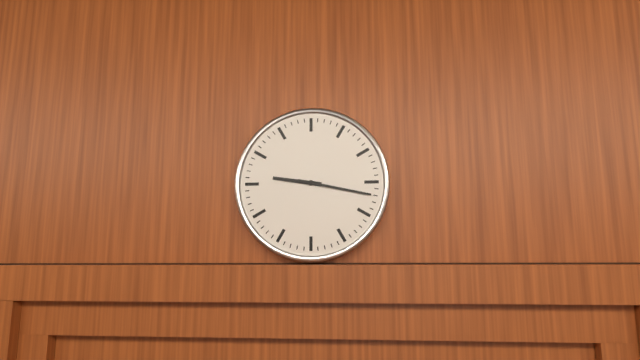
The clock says 9:17
